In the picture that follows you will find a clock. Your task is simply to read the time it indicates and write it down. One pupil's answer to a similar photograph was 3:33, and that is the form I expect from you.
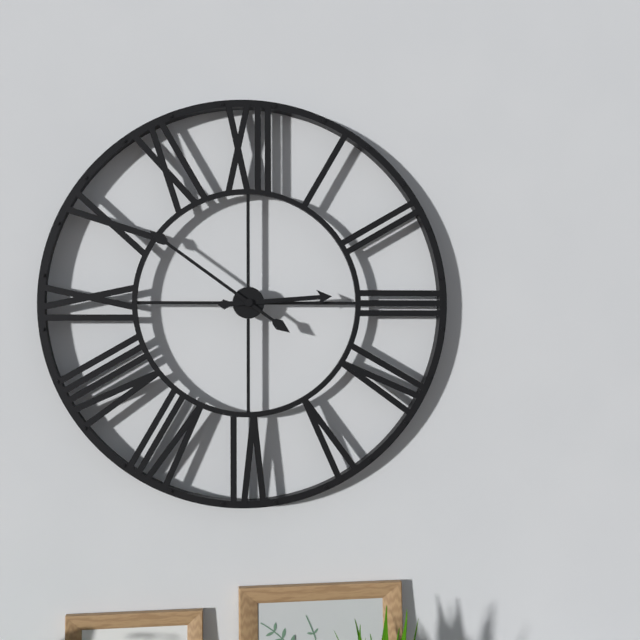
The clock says 2:51
